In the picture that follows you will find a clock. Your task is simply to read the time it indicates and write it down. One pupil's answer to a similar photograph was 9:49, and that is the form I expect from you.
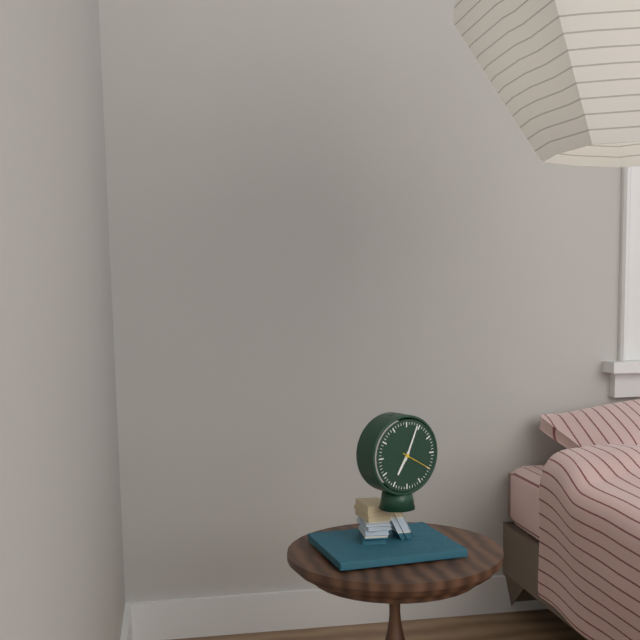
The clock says 7:04
